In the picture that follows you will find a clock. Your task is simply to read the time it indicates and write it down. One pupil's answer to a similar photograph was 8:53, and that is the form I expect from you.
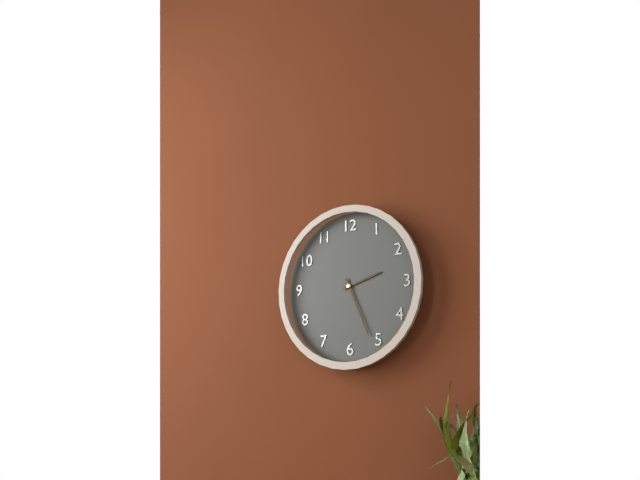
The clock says 2:26
